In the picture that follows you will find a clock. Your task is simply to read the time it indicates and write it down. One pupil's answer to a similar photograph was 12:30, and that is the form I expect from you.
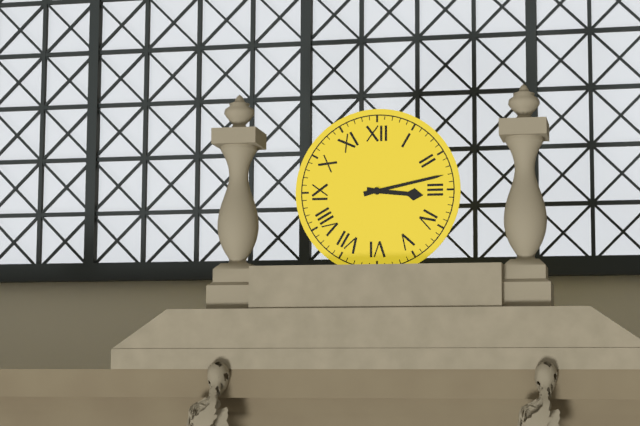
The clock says 3:13
